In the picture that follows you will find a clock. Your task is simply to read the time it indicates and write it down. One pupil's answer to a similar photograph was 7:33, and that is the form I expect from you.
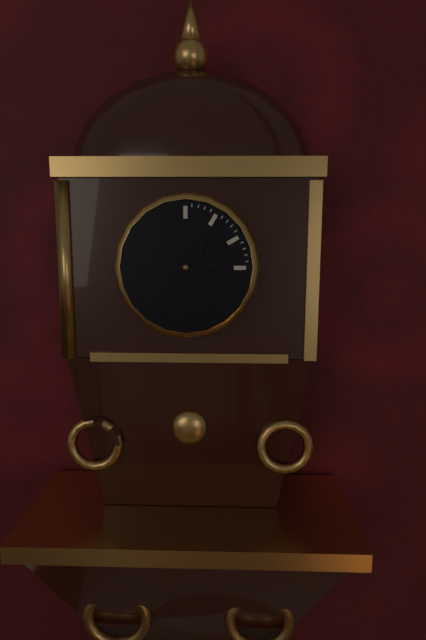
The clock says 1:17
